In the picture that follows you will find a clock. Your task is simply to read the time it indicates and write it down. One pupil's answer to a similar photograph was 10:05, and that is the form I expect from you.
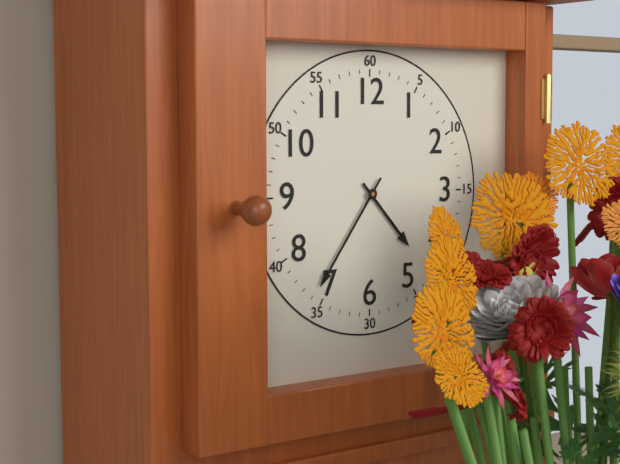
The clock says 4:36
